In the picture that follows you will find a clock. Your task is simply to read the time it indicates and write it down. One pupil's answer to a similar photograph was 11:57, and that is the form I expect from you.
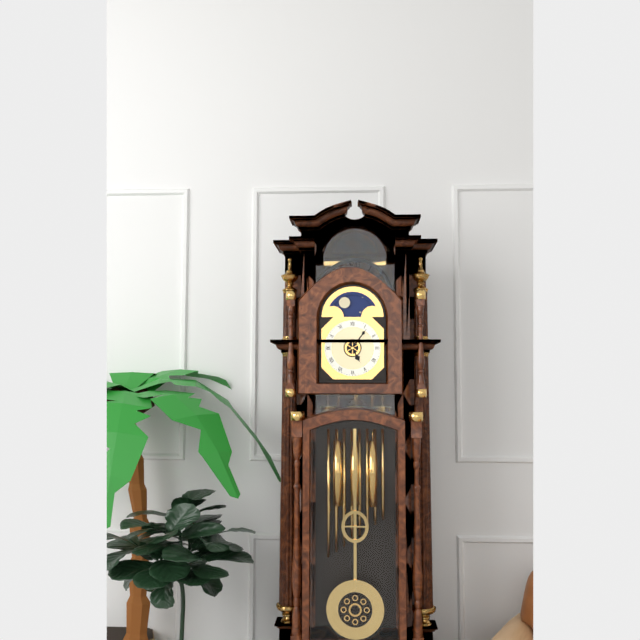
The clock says 5:06
